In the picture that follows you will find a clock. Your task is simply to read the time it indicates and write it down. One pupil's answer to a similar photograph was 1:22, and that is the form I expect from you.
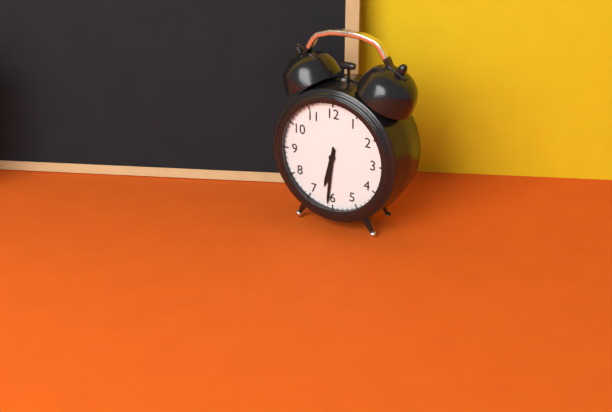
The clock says 6:31
